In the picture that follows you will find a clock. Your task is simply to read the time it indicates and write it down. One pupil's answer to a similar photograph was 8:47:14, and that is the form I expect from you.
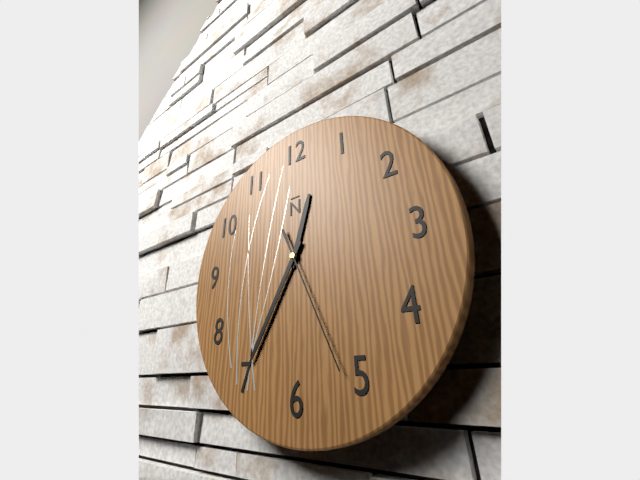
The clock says 12:35:26
